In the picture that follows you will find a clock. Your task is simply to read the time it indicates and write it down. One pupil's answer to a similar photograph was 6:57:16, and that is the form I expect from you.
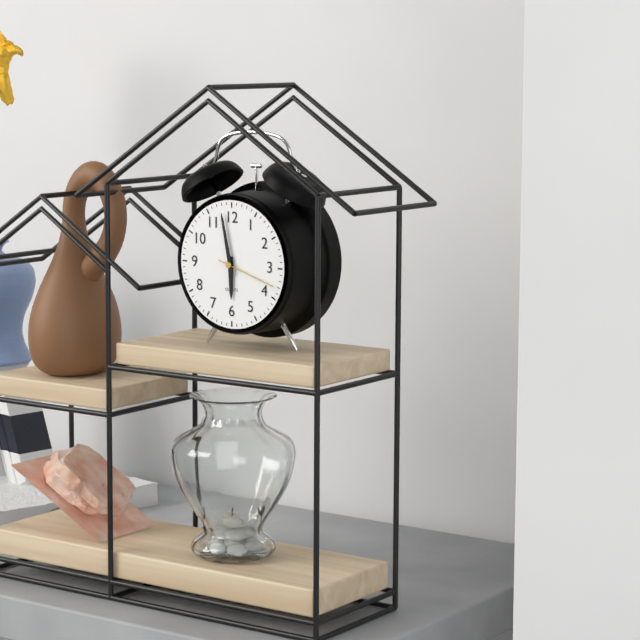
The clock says 5:58:18
